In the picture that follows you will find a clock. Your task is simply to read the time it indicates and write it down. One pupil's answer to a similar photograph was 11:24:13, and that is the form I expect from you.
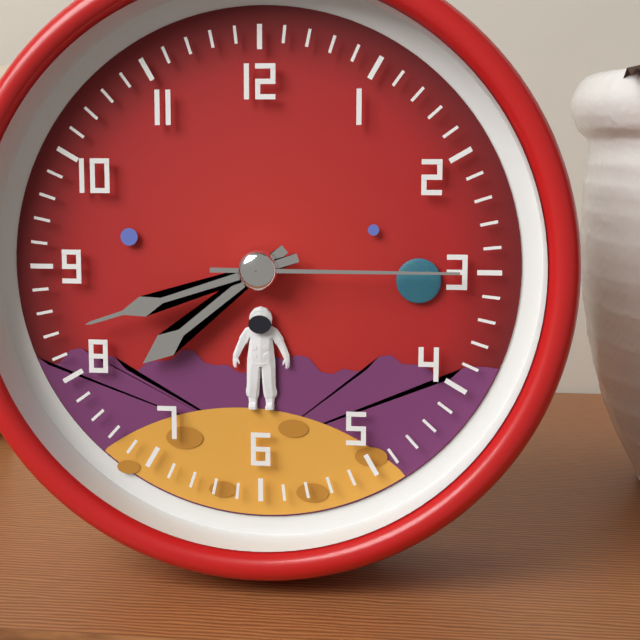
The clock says 7:42:15
